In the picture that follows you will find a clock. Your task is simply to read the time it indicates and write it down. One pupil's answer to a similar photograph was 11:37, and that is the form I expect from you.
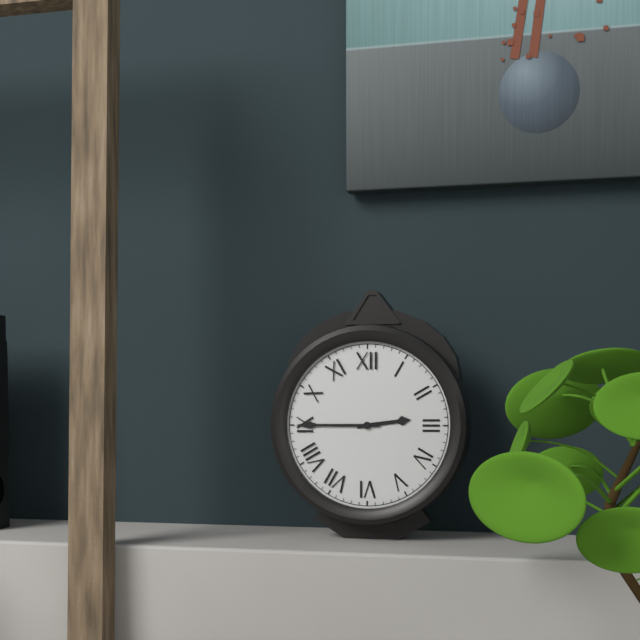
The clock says 2:45
